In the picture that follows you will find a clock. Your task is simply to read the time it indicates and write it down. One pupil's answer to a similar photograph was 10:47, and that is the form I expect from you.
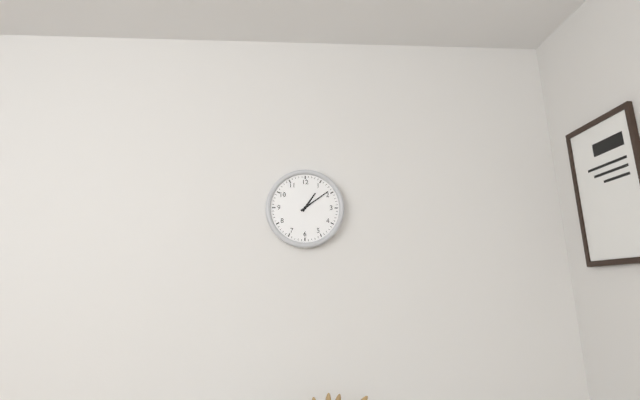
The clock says 1:09
